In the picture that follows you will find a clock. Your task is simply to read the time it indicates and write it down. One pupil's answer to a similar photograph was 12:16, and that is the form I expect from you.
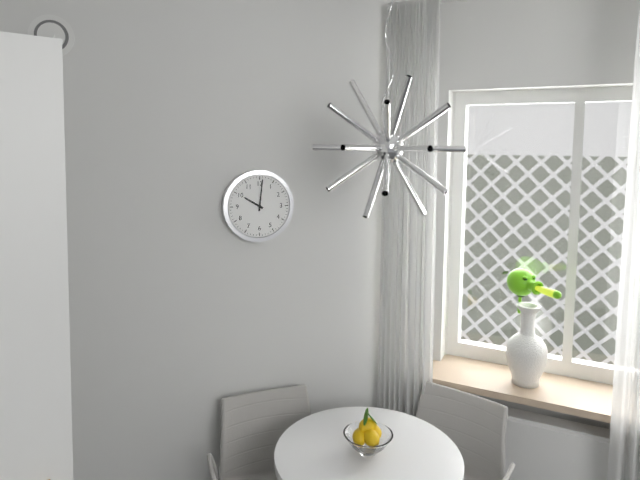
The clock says 10:01
